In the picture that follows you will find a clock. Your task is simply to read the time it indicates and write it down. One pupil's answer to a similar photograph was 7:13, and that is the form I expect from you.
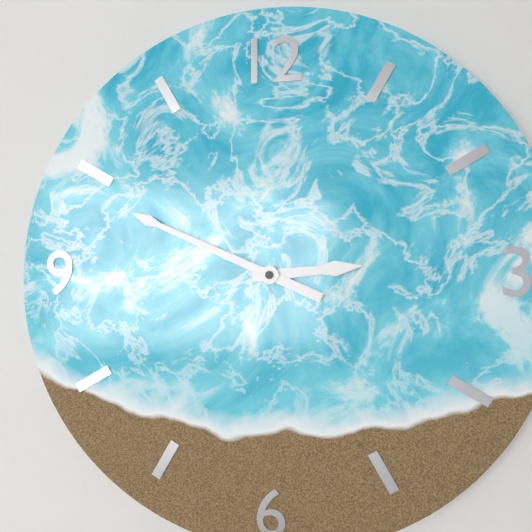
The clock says 2:49
